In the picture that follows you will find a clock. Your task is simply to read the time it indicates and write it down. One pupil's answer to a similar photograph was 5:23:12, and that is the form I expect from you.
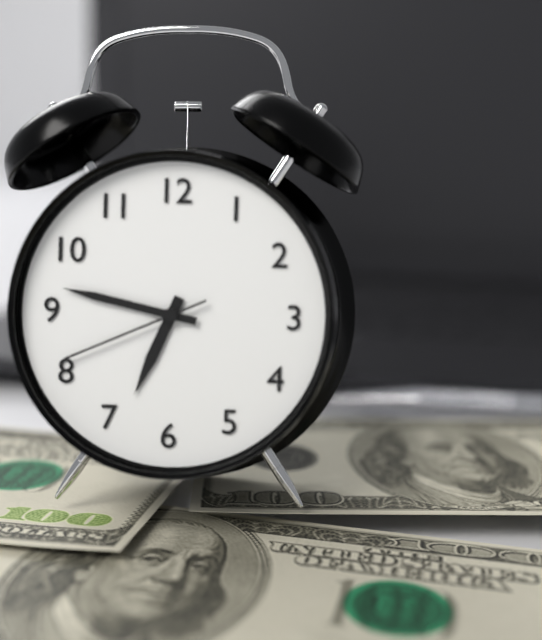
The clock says 6:47:41
